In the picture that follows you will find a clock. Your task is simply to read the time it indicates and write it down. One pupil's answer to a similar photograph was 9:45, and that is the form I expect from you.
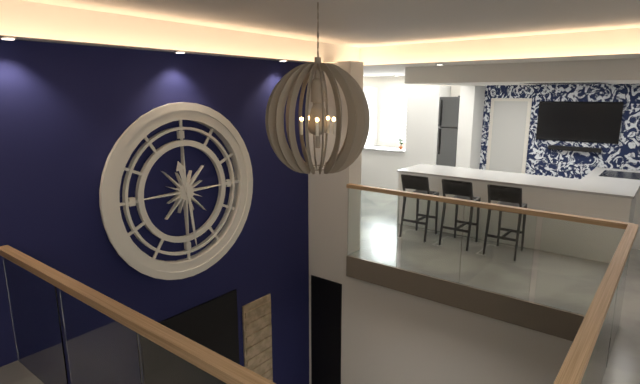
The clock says 11:29
